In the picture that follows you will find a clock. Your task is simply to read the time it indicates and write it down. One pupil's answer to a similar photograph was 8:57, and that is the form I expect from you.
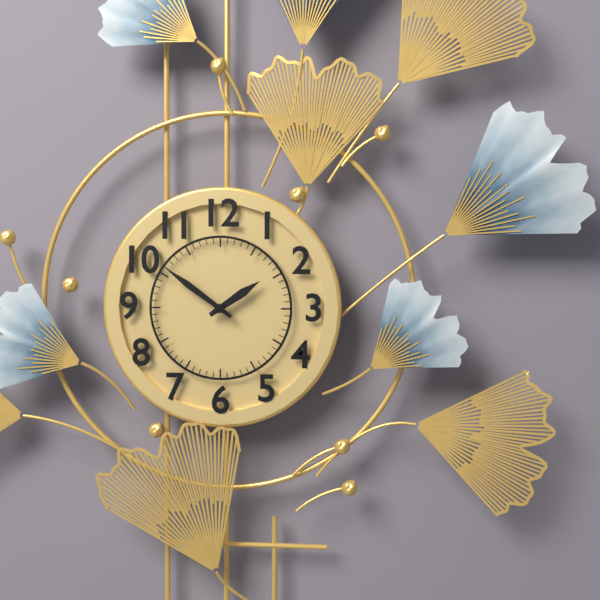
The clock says 1:51
